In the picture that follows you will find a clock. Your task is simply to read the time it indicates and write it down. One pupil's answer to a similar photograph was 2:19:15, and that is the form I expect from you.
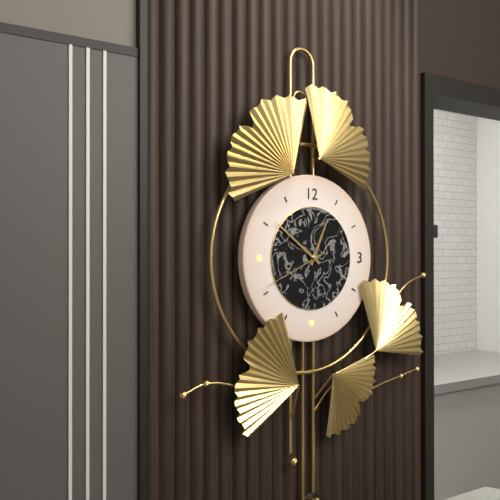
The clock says 12:51:41
